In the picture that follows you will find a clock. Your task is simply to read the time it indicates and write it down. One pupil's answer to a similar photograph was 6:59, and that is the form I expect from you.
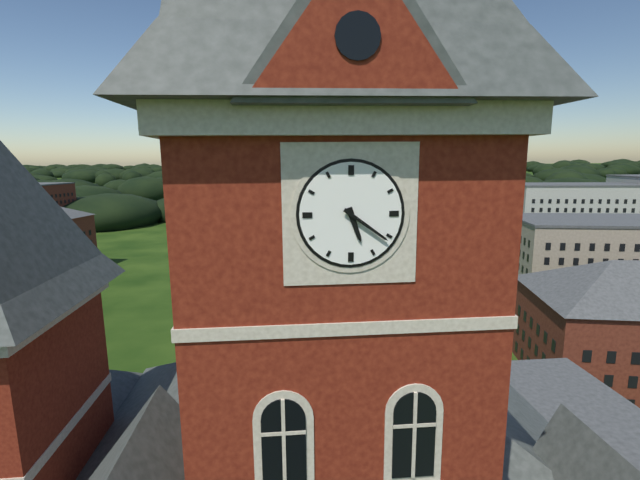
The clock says 5:21
